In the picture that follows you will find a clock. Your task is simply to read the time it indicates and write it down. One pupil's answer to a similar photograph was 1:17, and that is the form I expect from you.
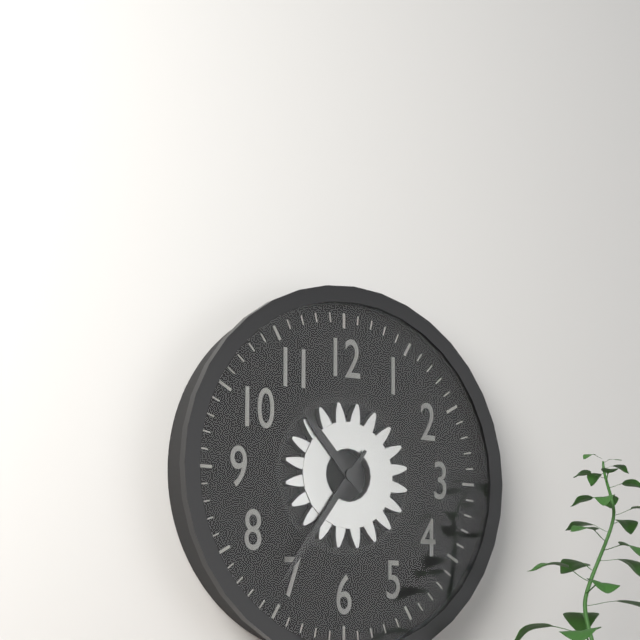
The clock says 10:36
